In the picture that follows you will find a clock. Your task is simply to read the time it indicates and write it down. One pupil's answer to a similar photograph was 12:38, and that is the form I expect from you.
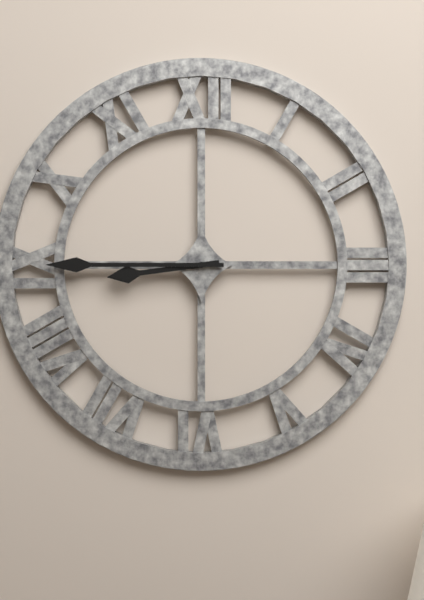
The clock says 8:45
